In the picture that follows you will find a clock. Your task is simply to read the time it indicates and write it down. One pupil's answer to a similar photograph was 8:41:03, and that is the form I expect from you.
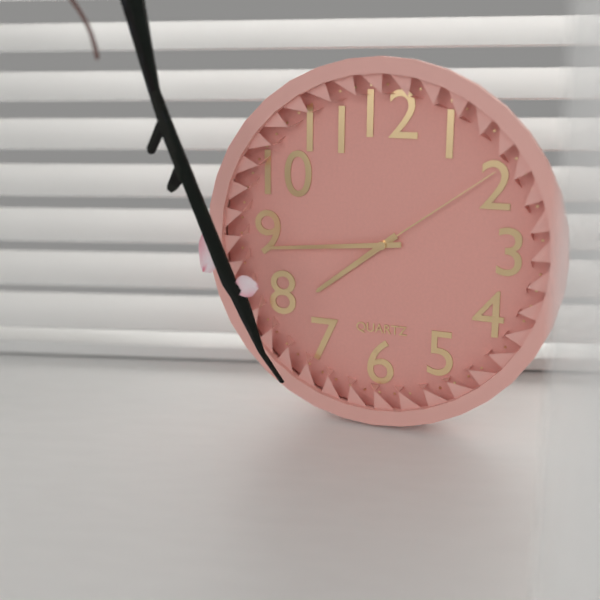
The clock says 7:44:09
